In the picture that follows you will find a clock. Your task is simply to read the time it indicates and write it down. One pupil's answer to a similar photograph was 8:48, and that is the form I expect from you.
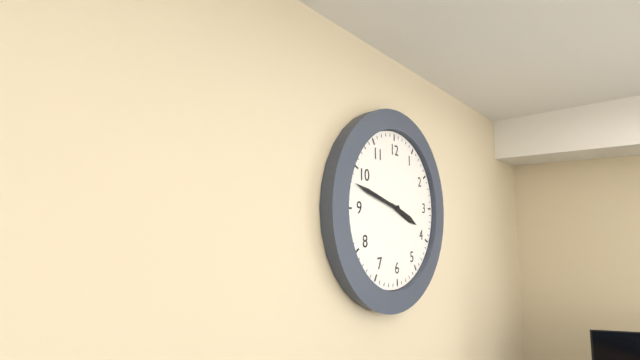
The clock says 3:48
